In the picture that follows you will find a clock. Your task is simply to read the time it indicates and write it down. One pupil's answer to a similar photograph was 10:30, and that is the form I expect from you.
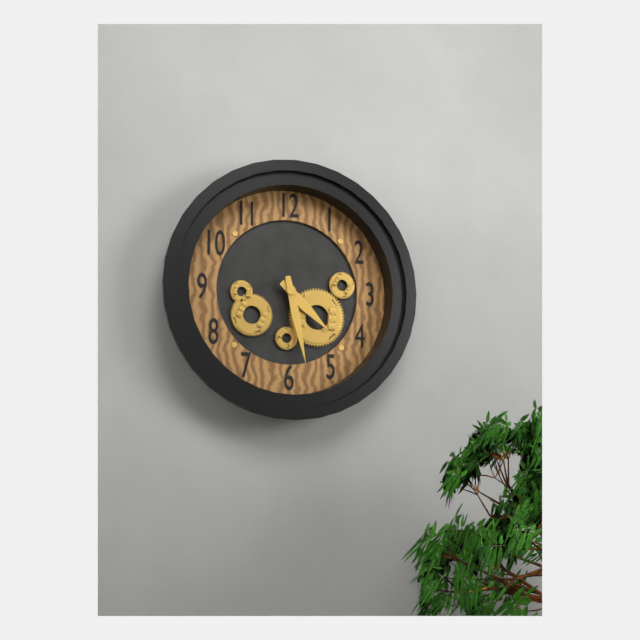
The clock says 4:28
